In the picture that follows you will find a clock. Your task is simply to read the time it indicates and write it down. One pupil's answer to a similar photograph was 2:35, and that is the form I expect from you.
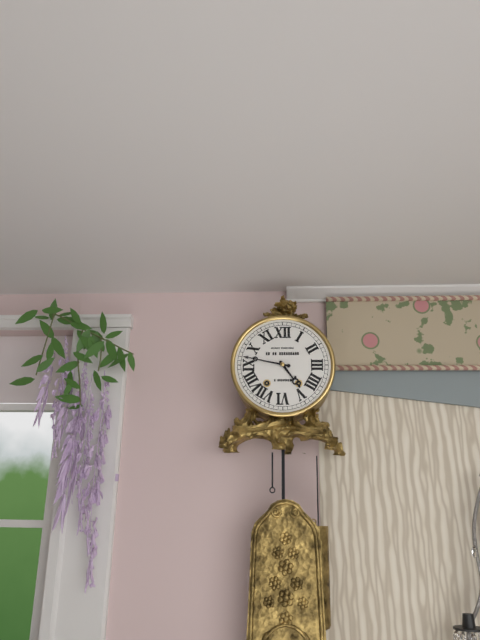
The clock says 4:47
